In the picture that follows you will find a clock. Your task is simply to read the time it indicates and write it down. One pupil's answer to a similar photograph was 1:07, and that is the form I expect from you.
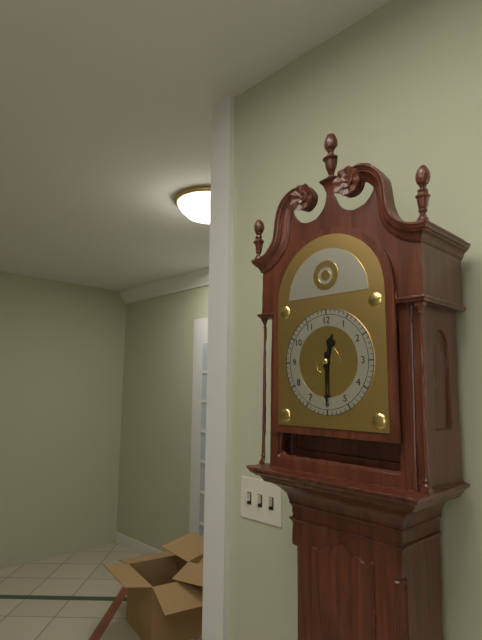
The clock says 12:30
